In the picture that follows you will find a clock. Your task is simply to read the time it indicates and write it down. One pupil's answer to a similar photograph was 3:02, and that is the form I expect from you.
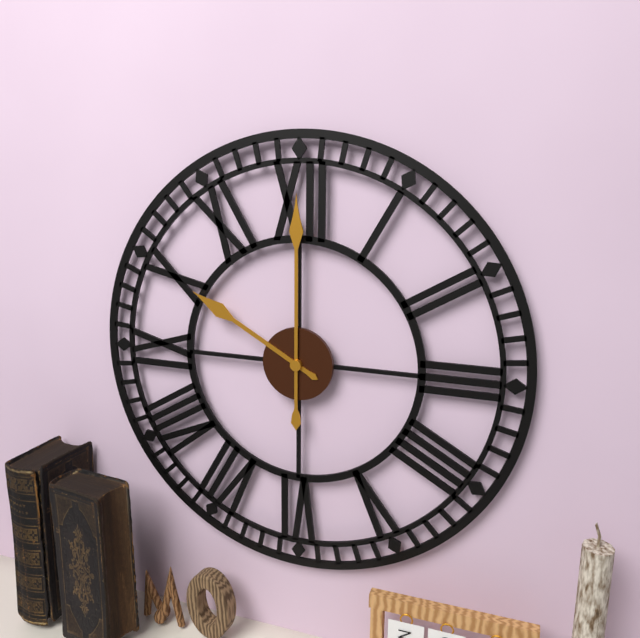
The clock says 10:00
